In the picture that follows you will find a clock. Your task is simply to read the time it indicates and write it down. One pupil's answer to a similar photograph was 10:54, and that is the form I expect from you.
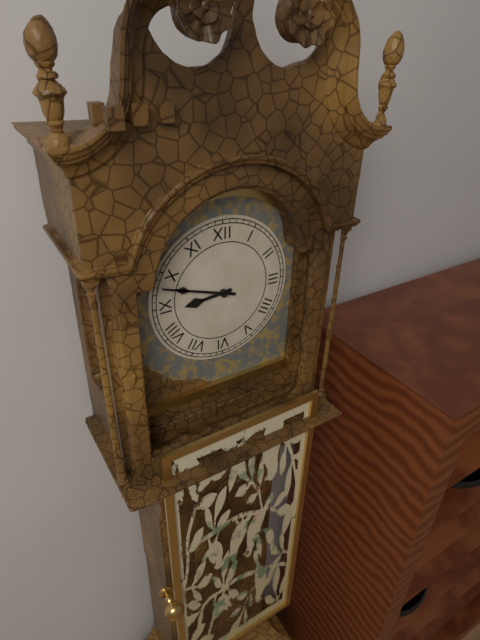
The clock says 8:48
